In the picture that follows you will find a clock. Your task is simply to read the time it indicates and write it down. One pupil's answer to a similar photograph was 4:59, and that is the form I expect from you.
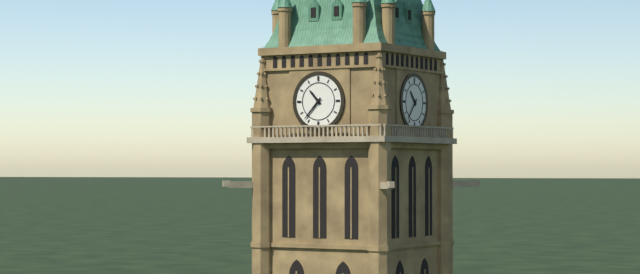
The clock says 10:37
